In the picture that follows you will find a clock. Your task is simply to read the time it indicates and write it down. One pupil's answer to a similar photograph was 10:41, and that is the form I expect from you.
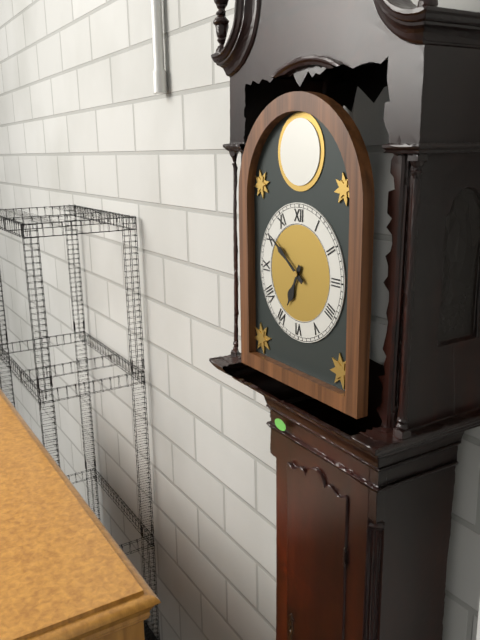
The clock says 6:51
